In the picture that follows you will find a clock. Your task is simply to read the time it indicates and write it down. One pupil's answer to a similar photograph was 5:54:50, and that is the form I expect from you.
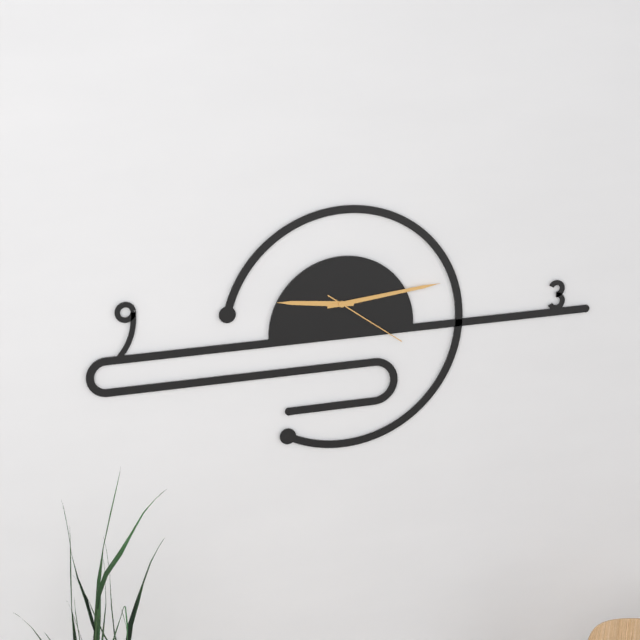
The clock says 9:14:21
